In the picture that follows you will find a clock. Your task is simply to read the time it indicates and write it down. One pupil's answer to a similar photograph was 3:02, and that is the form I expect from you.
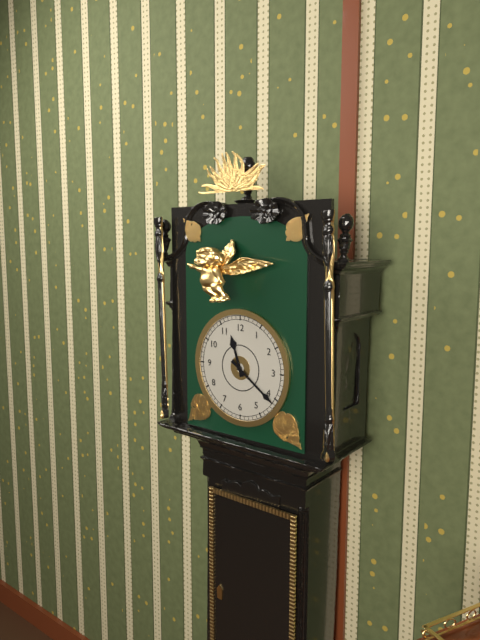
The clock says 11:21
